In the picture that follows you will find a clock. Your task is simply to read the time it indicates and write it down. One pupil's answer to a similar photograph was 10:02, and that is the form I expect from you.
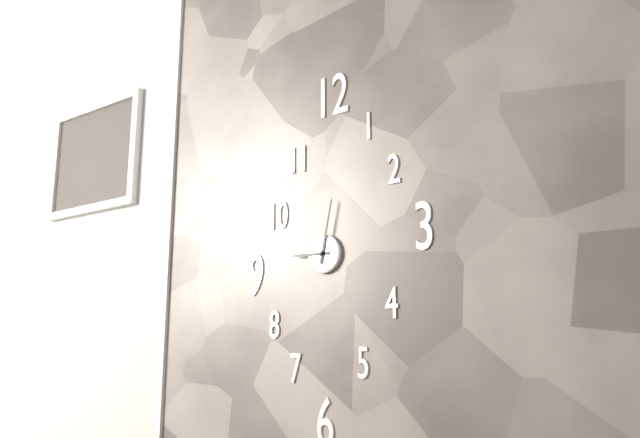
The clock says 9:02
